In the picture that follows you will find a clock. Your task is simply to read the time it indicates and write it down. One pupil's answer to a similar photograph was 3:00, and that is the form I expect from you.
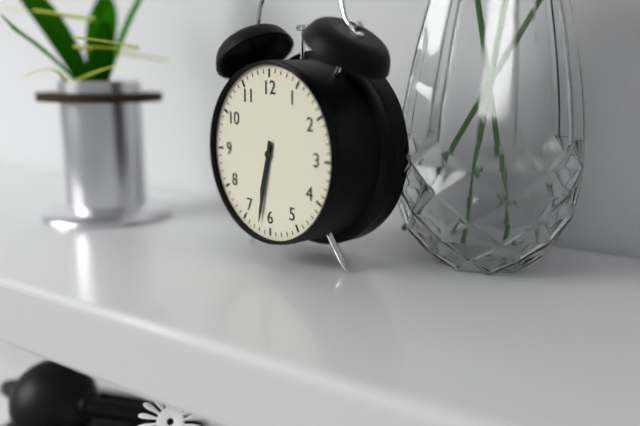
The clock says 6:32
